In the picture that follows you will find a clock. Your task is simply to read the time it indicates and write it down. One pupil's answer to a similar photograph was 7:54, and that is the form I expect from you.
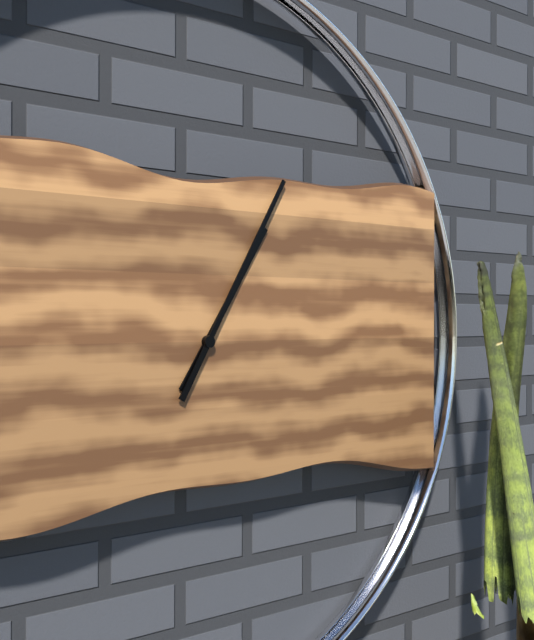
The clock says 1:05
